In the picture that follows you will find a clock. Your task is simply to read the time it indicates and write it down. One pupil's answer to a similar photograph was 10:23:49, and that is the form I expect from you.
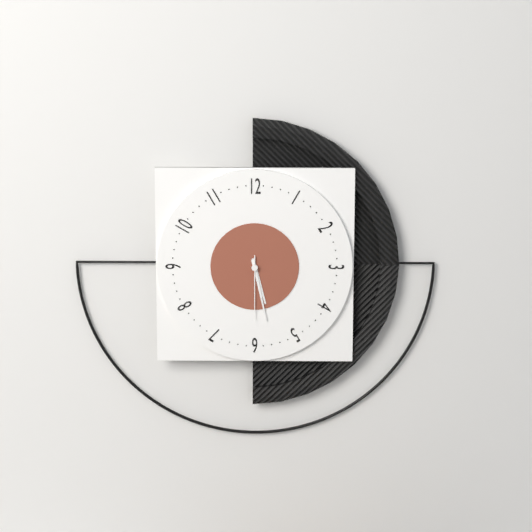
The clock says 5:28:30
